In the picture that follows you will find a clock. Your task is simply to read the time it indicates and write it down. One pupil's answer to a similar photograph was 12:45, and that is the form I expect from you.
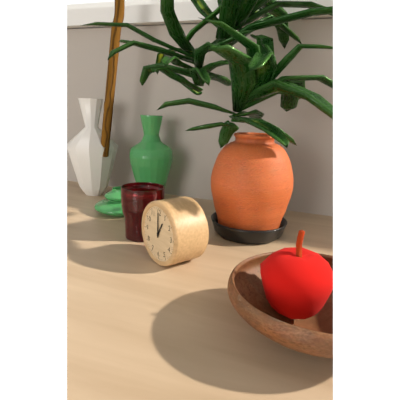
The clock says 1:00
